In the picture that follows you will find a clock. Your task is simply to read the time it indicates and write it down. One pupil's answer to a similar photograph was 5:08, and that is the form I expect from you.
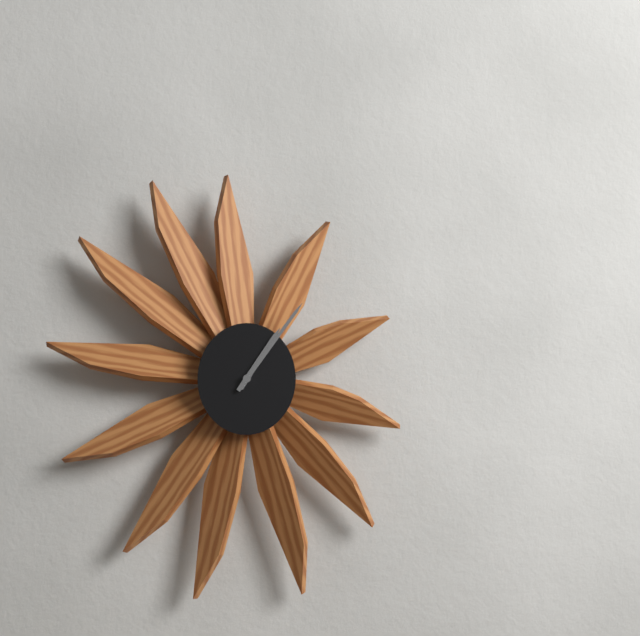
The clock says 1:06
